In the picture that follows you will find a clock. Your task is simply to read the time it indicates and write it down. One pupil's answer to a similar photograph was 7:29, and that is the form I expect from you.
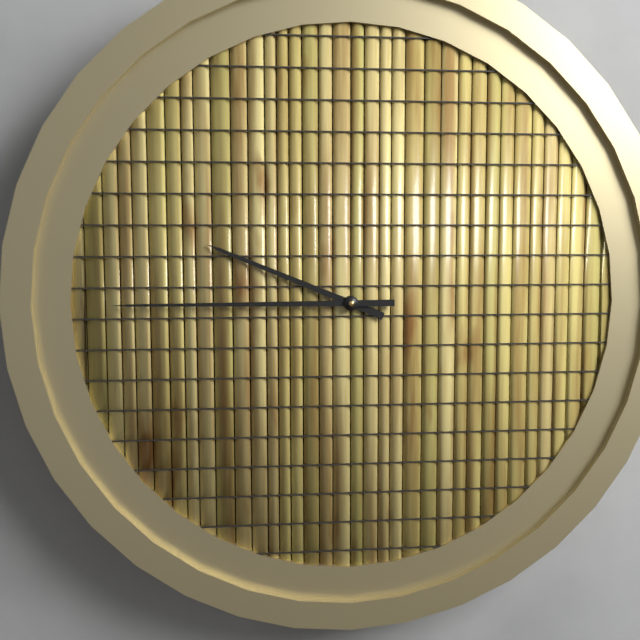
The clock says 9:45
